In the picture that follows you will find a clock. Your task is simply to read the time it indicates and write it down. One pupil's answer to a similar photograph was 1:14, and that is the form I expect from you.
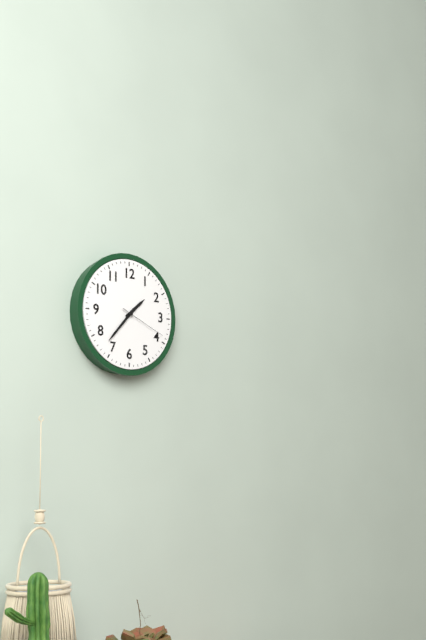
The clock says 1:37
